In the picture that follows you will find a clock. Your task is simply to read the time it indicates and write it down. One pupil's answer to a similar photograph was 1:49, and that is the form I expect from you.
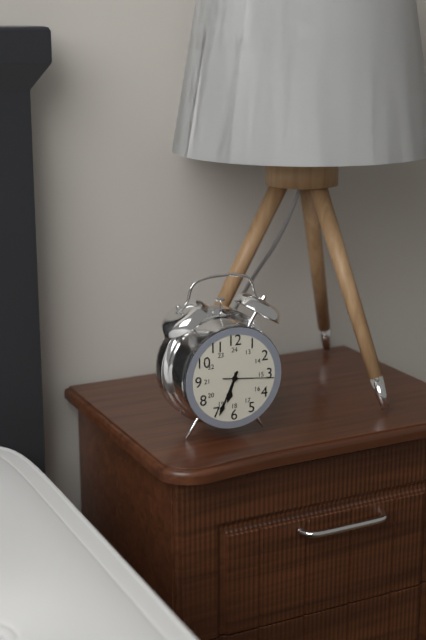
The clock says 6:34
